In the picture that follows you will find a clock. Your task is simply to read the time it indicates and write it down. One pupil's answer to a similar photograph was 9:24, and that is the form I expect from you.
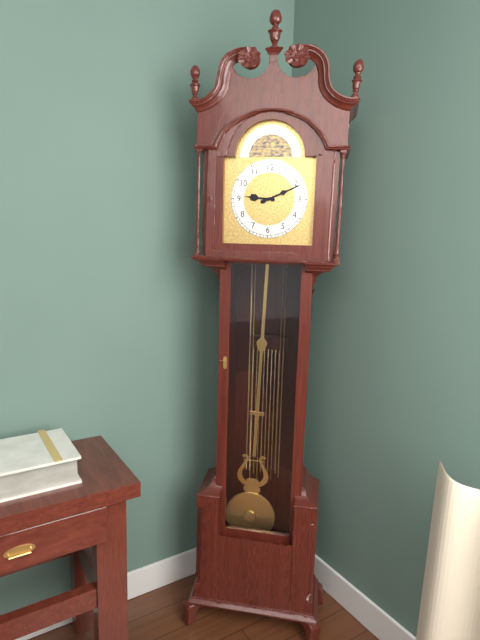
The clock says 9:11
